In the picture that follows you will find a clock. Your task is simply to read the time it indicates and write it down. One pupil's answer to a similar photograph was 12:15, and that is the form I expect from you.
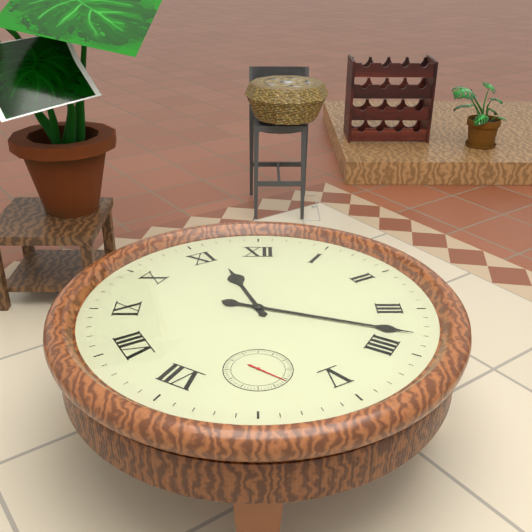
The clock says 11:18
